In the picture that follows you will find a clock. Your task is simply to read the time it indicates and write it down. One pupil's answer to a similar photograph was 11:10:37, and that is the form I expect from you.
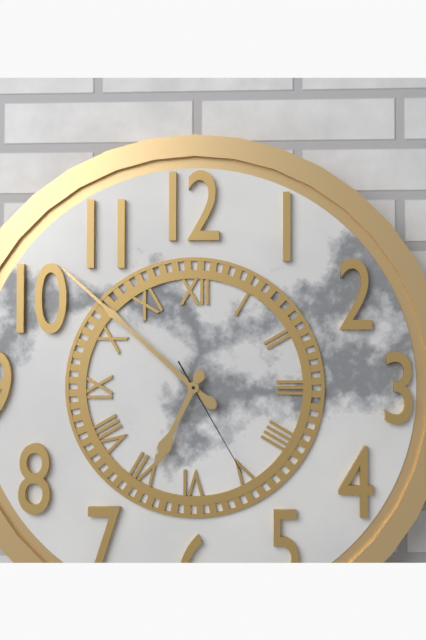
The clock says 6:52:25
